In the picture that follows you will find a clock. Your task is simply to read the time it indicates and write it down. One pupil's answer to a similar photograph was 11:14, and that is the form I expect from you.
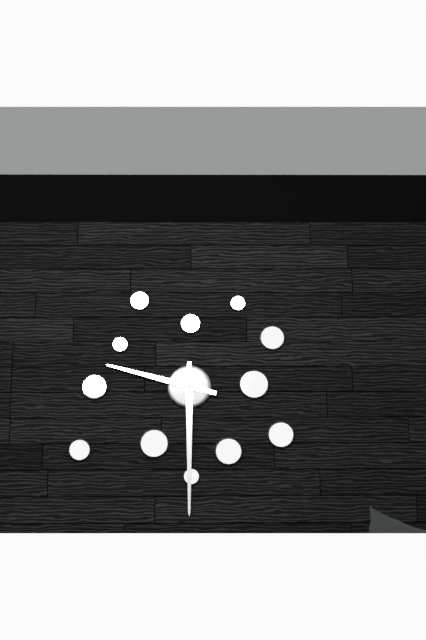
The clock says 9:30
